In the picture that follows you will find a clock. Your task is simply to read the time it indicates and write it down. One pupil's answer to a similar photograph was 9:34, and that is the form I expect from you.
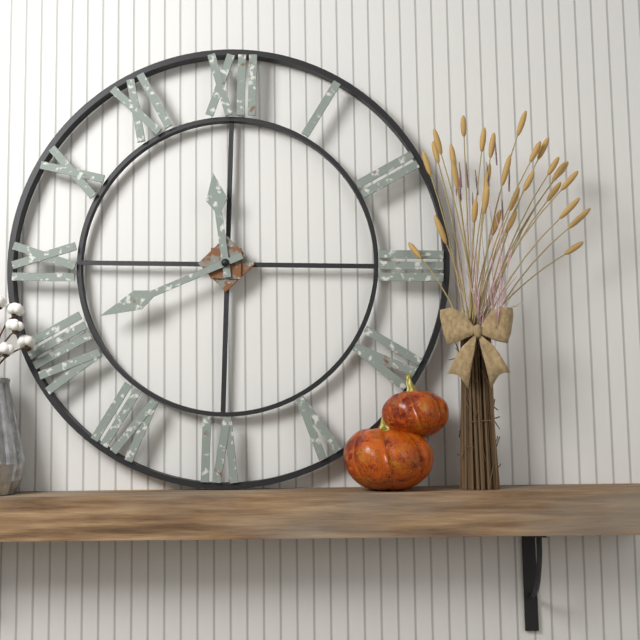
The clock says 11:41
